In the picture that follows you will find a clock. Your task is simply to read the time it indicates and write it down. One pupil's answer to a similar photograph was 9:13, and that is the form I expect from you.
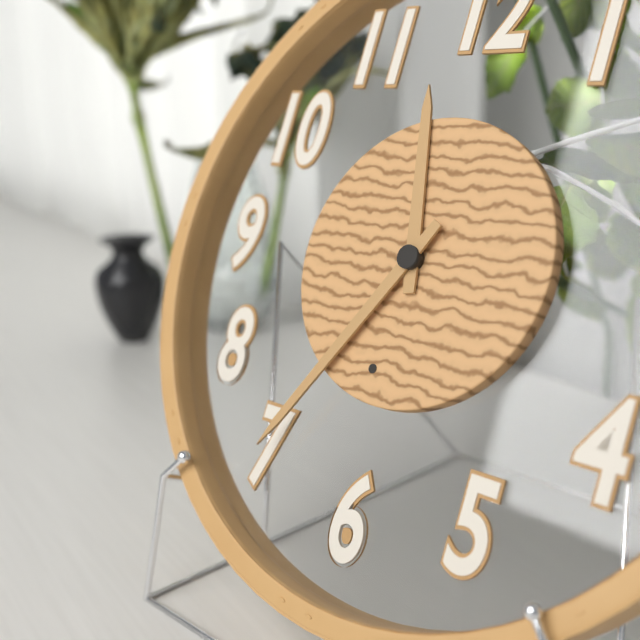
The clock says 11:35
